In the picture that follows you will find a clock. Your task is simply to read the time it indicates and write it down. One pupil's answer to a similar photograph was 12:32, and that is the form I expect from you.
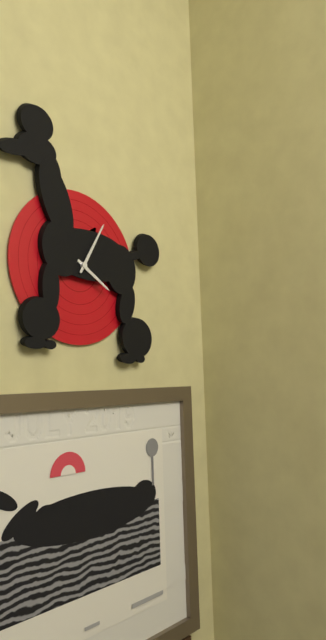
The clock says 4:05
